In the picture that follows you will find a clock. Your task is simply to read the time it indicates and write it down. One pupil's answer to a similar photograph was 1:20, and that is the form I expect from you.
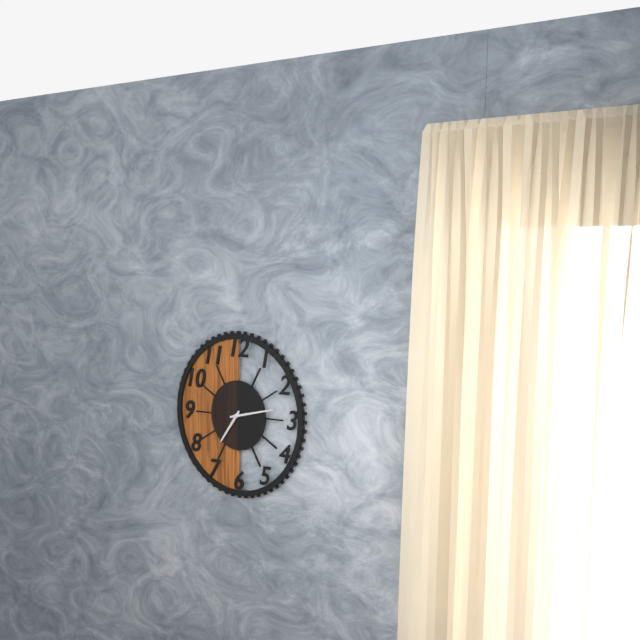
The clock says 7:13
